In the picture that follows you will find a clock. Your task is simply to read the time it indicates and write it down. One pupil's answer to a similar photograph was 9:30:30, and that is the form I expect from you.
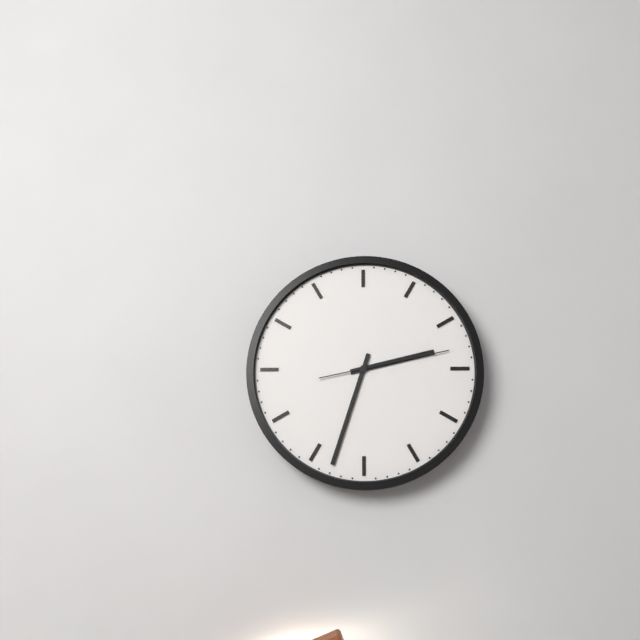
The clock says 2:33:13
